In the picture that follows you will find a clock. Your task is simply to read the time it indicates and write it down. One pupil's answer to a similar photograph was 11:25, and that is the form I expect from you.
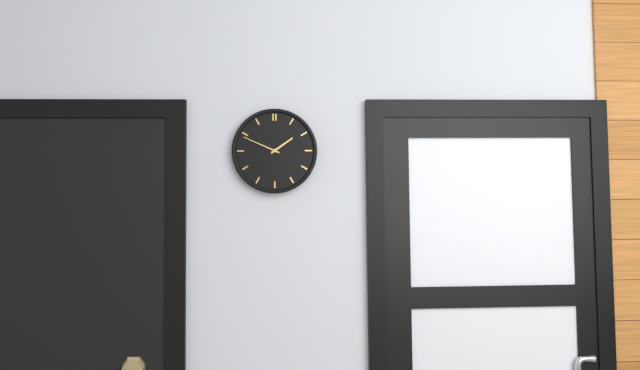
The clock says 1:49
